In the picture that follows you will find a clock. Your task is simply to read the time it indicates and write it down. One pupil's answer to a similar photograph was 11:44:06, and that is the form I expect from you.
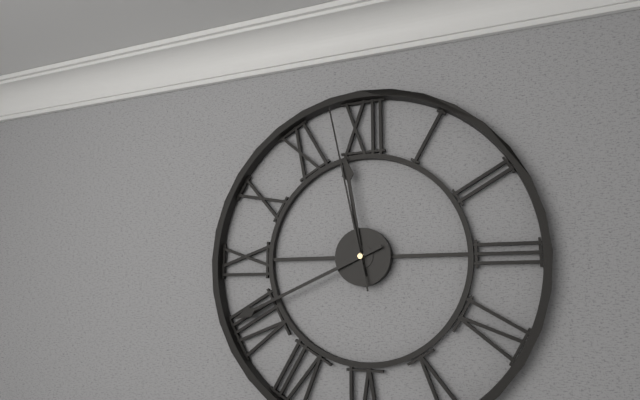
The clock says 11:41:58
